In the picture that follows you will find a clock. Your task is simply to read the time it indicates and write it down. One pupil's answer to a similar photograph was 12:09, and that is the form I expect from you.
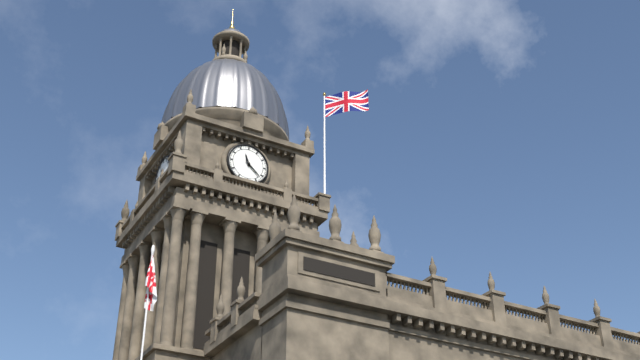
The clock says 11:22
